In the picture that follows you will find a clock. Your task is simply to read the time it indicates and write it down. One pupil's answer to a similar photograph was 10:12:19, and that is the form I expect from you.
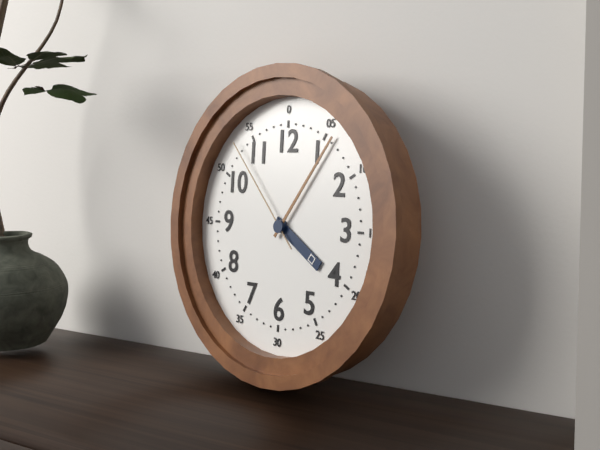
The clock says 4:06:53
